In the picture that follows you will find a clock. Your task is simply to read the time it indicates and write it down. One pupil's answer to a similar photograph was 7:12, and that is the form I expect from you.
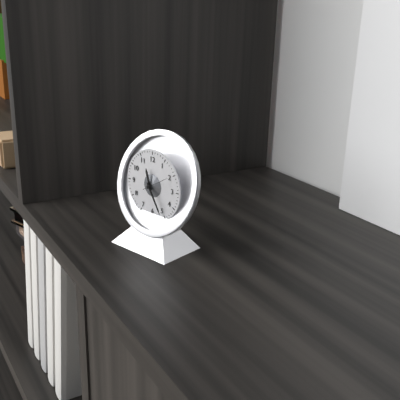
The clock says 11:25
